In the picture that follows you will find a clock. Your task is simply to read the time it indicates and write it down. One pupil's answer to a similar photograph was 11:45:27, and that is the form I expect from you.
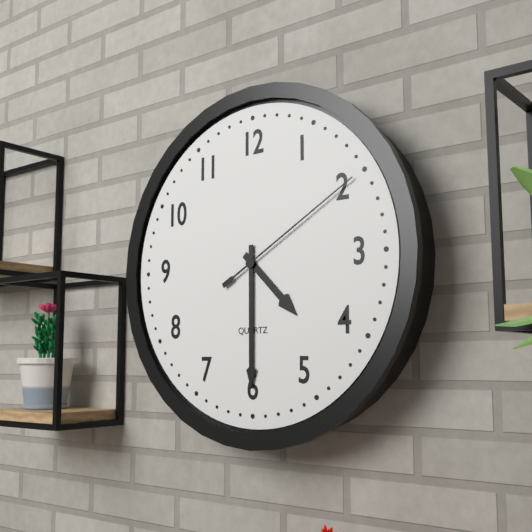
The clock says 4:30:10
